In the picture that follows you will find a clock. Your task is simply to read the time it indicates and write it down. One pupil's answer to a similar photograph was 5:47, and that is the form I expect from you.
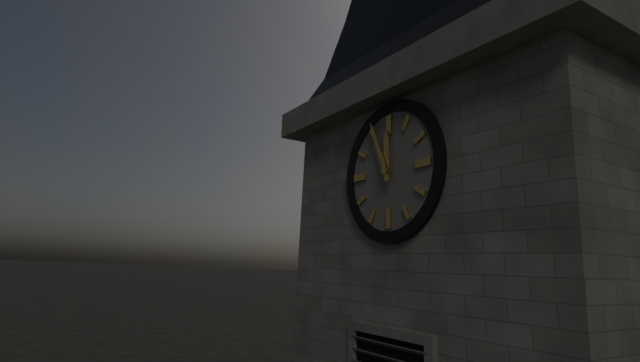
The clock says 11:56
